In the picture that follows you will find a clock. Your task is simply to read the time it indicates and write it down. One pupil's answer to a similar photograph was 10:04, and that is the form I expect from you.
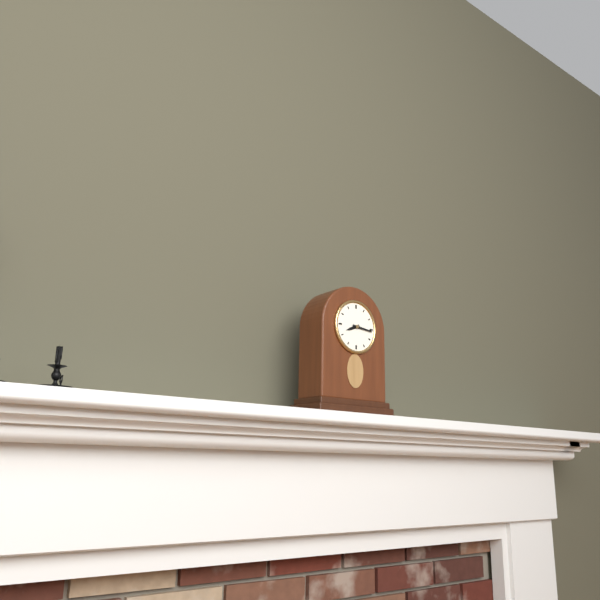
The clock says 8:16
